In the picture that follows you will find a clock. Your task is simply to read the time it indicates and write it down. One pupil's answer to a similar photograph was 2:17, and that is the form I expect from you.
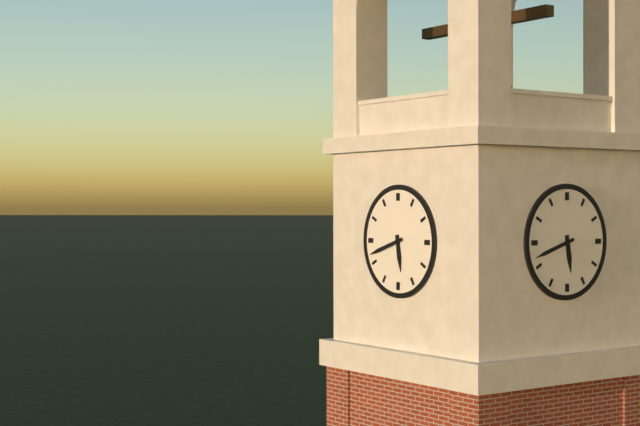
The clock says 5:42
